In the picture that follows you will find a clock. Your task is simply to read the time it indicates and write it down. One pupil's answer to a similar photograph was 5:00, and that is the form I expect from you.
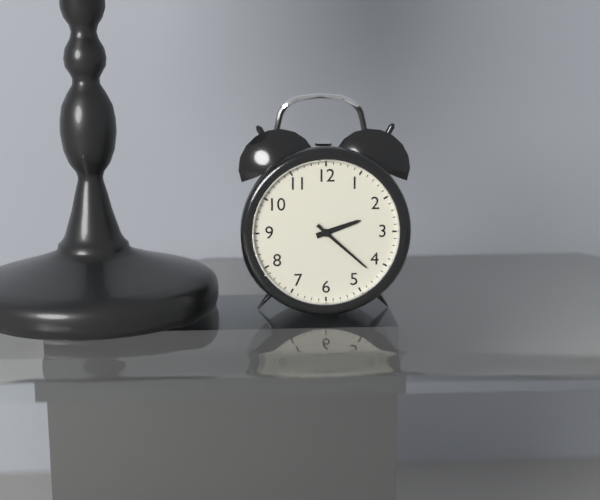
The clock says 2:22
